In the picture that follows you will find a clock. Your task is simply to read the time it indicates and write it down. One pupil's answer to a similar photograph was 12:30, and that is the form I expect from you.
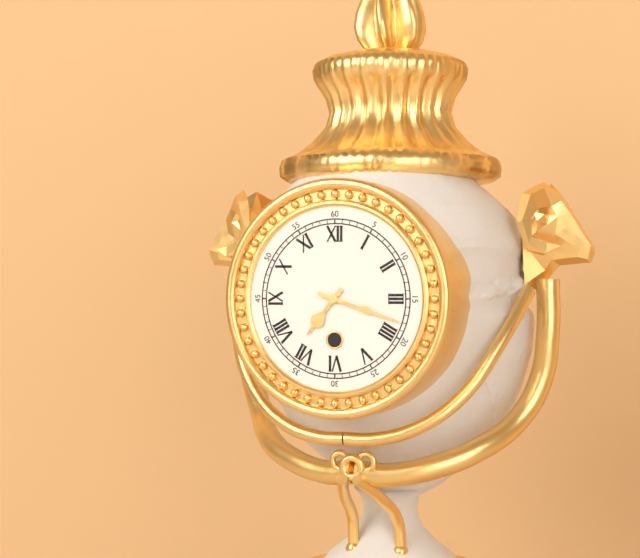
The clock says 7:18
